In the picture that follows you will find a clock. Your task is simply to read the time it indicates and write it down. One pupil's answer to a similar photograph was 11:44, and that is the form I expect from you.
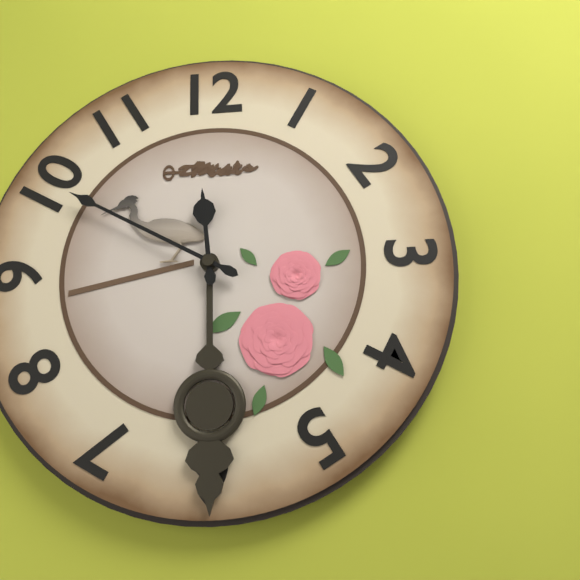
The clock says 11:50
